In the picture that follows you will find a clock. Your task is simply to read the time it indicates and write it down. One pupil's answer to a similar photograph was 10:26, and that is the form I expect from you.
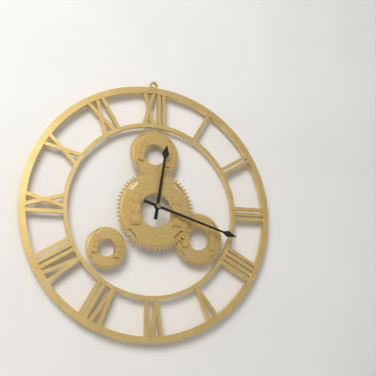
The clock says 12:18
